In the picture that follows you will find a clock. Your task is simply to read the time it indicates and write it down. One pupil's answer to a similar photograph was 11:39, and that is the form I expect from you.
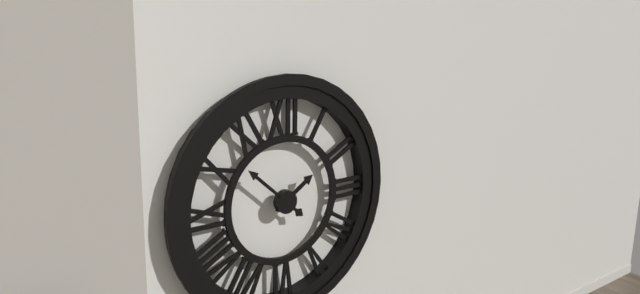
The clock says 1:52
